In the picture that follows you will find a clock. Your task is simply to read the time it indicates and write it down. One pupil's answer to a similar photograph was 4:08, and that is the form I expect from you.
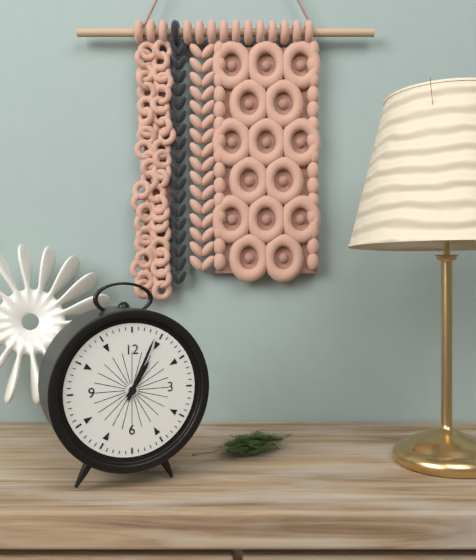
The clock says 1:04
